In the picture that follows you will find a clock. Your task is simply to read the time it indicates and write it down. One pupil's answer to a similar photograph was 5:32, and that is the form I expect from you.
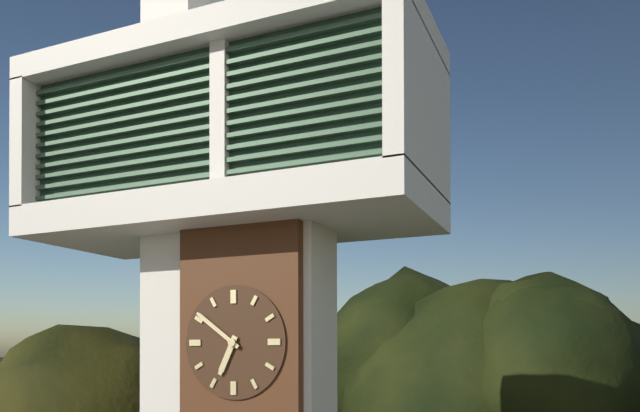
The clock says 6:51
